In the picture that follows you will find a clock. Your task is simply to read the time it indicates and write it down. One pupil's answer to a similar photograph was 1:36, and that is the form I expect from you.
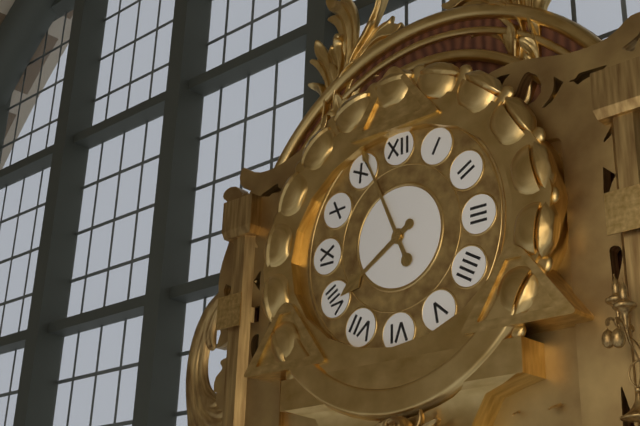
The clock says 7:56
